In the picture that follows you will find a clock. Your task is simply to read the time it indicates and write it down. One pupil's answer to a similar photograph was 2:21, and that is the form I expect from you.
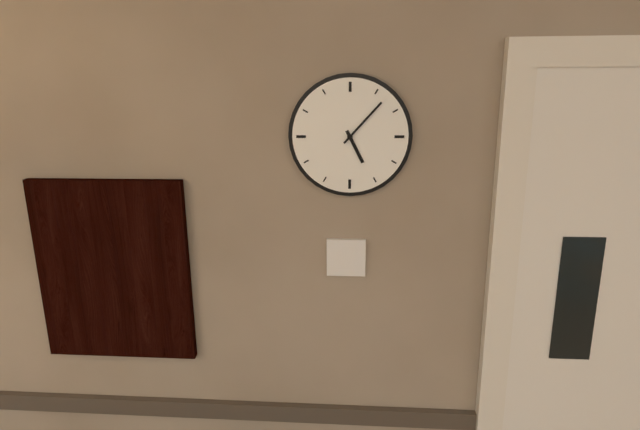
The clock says 5:07
